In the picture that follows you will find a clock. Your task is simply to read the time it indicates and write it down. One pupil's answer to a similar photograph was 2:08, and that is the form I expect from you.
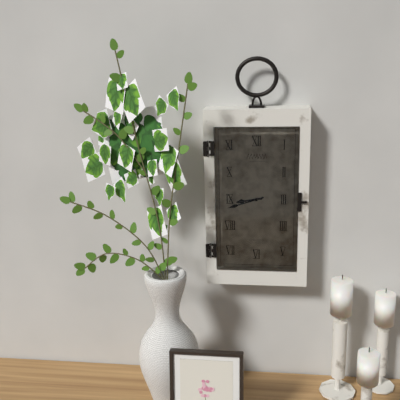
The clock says 8:42
